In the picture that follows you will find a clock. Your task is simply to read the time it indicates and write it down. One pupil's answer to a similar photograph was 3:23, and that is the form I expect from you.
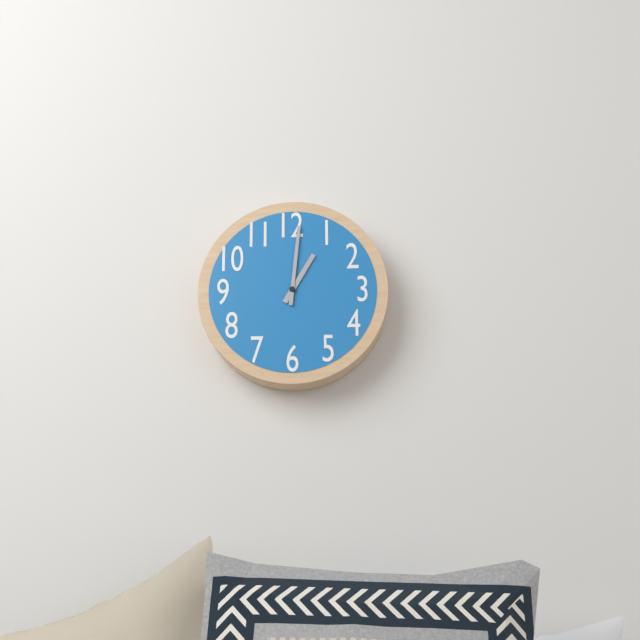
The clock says 1:01
